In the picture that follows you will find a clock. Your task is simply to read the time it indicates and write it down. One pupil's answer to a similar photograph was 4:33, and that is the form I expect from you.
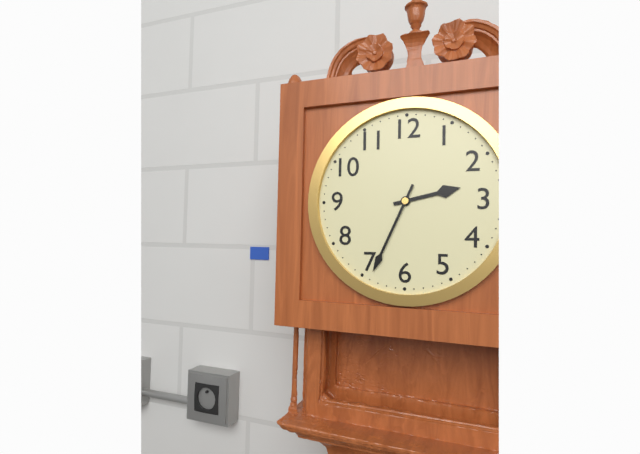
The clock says 2:34
